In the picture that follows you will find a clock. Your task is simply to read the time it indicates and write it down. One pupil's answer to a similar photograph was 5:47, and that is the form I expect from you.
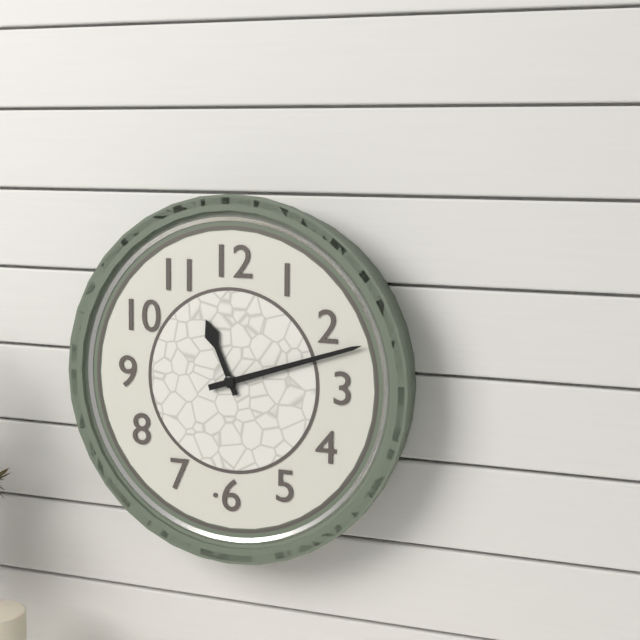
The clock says 11:12
